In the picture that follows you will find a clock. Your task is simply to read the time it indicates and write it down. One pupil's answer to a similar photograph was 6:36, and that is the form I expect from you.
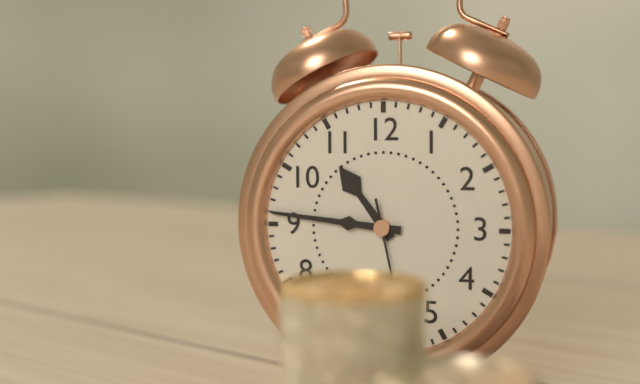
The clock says 10:46
